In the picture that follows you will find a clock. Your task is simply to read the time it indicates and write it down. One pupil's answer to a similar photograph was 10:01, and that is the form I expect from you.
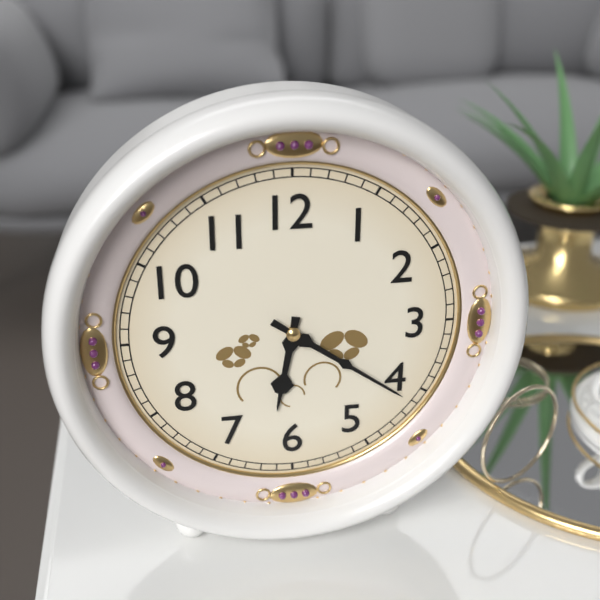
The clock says 6:21
